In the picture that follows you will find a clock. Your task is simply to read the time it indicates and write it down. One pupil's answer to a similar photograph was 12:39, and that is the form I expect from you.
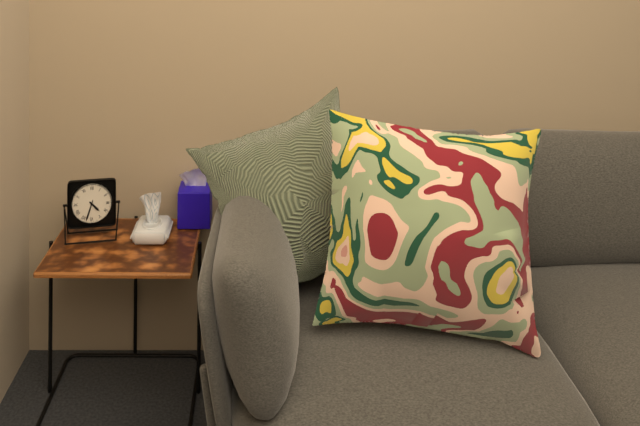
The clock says 4:33
